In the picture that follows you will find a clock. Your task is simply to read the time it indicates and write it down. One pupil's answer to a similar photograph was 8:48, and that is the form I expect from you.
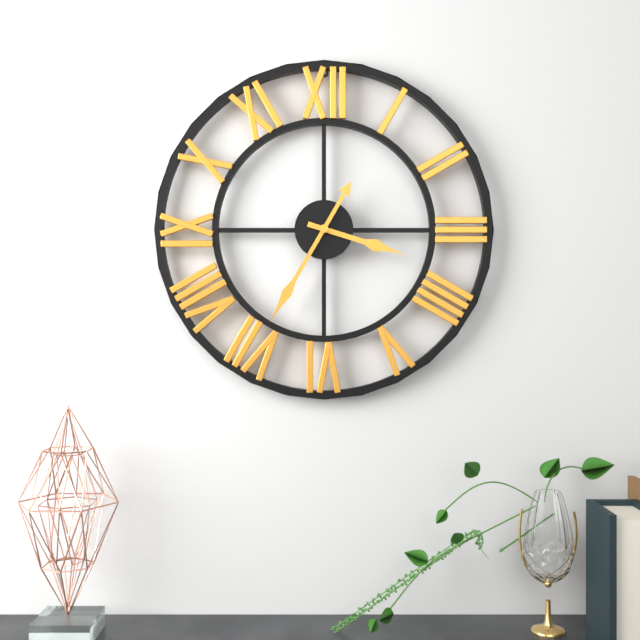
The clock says 3:35
